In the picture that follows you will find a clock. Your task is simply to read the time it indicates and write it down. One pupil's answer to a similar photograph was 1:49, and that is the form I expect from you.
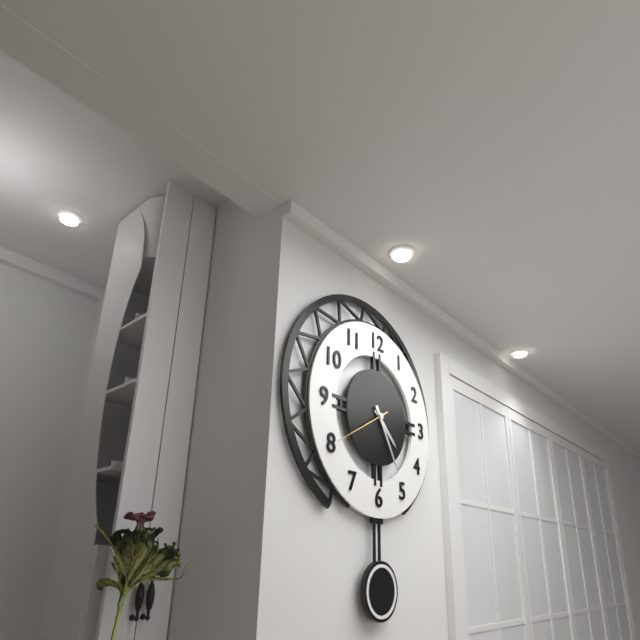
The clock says 4:25
